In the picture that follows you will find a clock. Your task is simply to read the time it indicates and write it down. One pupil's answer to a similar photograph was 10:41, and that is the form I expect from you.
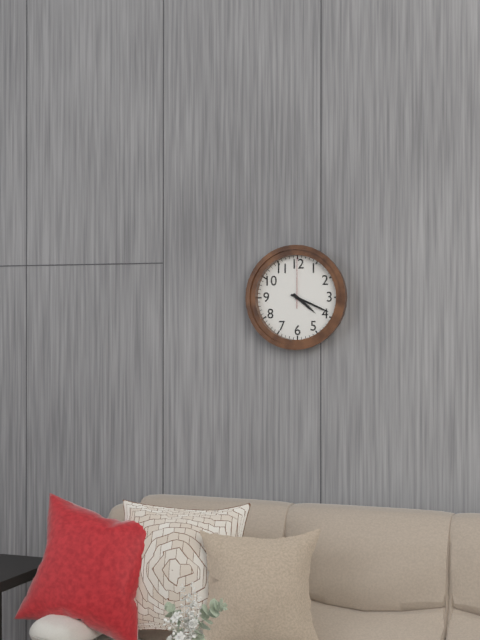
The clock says 4:19
